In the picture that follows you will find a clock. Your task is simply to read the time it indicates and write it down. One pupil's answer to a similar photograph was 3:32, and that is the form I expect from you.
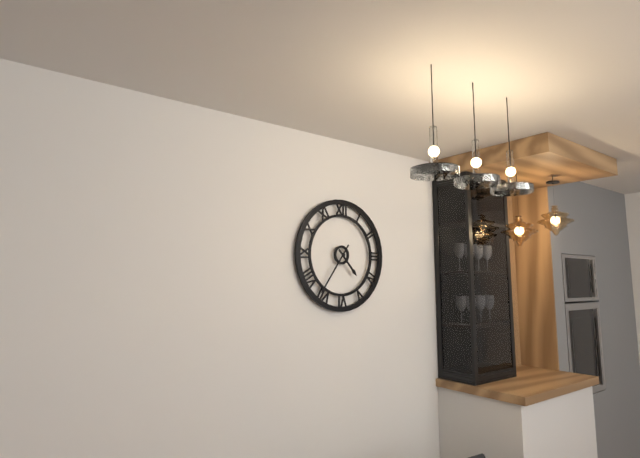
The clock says 4:36
